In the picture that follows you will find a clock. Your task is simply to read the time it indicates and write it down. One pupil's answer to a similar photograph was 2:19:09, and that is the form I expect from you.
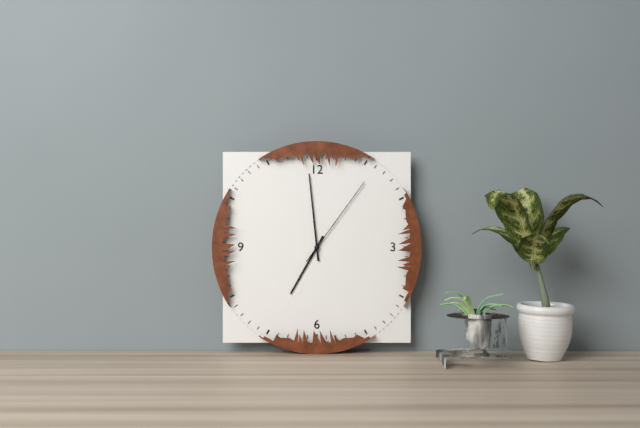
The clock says 6:59:06
